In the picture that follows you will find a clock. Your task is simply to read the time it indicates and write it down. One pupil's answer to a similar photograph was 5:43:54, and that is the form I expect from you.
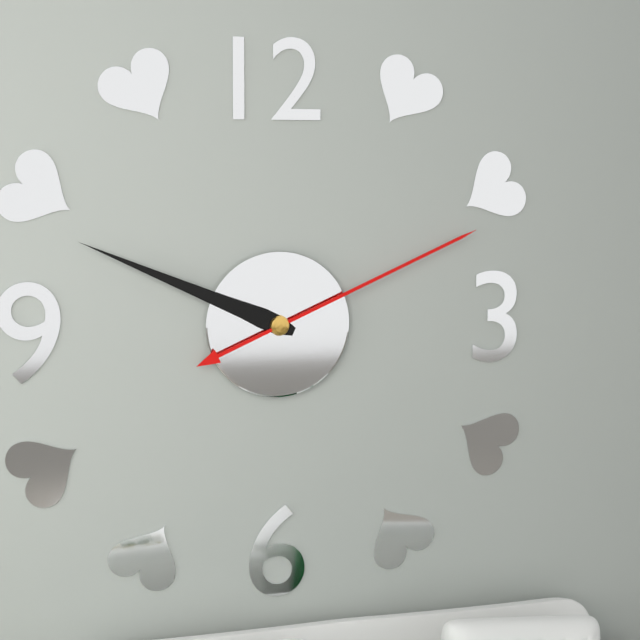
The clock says 9:49:11
